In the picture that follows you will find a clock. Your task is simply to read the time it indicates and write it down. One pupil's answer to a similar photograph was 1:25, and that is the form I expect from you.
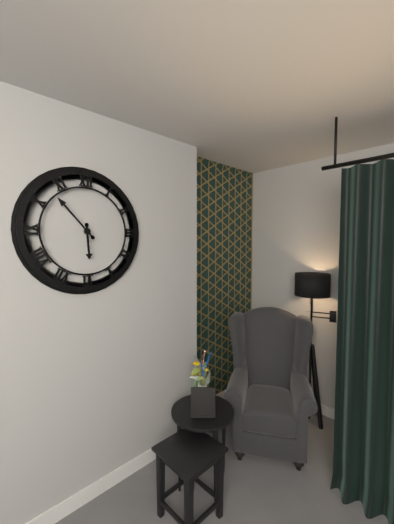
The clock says 5:53
